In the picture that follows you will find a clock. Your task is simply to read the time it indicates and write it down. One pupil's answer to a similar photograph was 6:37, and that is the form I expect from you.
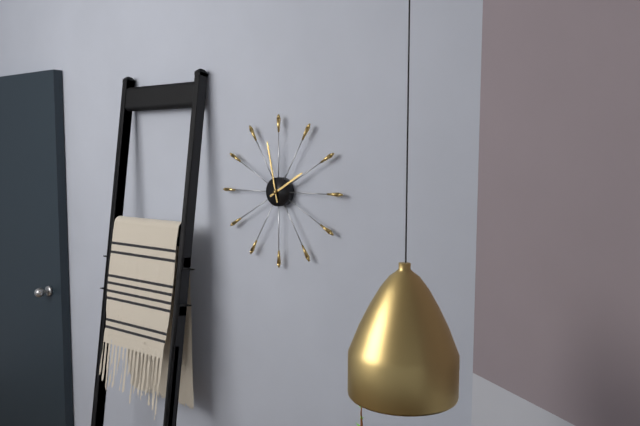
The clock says 1:58
